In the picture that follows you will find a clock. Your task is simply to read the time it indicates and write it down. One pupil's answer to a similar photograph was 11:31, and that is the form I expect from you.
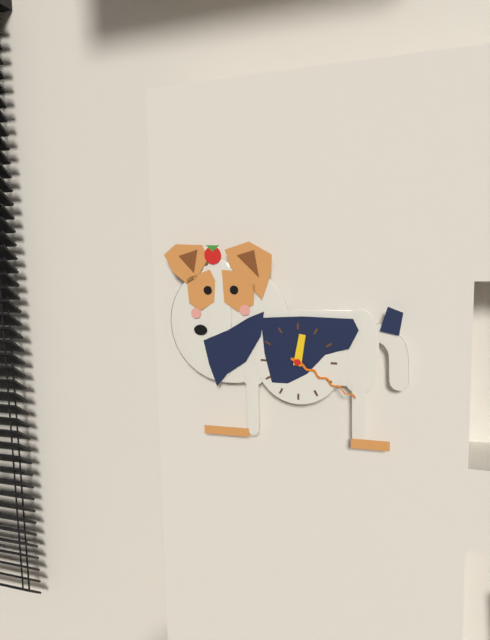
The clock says 12:20
